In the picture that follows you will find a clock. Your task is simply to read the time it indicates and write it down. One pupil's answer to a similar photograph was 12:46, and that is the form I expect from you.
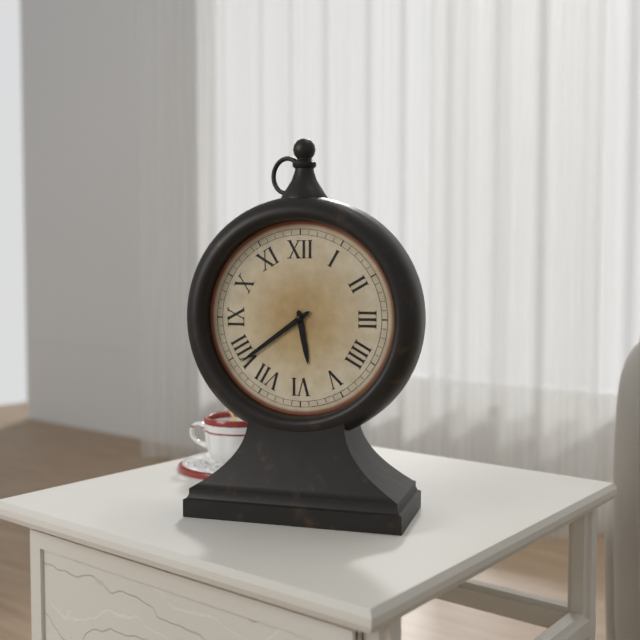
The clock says 5:39
